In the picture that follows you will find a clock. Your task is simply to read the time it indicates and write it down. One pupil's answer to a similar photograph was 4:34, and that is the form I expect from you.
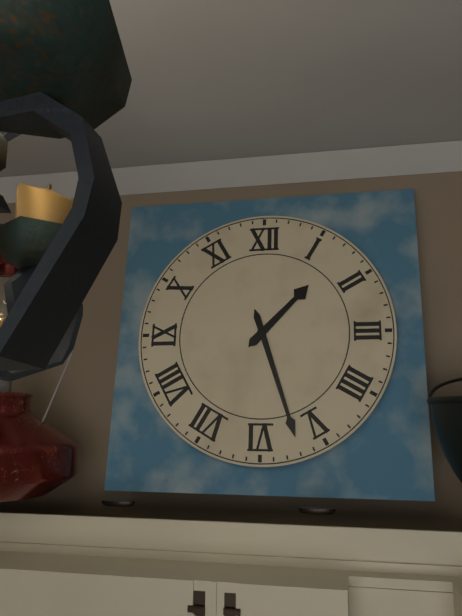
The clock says 1:27
